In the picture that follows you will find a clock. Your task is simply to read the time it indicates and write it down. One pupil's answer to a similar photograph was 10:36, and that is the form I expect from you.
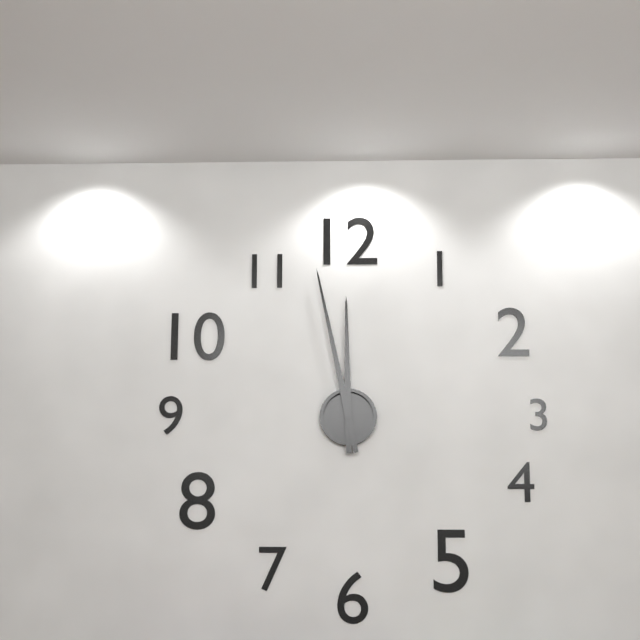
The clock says 11:58
